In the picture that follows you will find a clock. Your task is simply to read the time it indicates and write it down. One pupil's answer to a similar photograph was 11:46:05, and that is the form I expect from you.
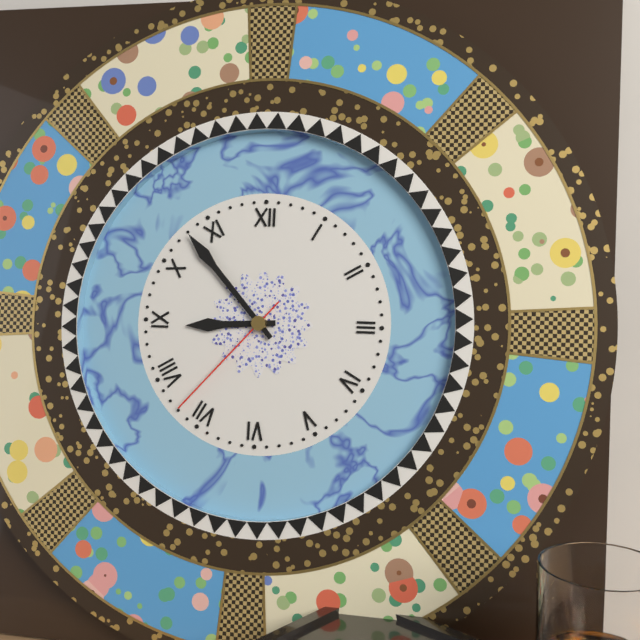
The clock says 8:53:37
